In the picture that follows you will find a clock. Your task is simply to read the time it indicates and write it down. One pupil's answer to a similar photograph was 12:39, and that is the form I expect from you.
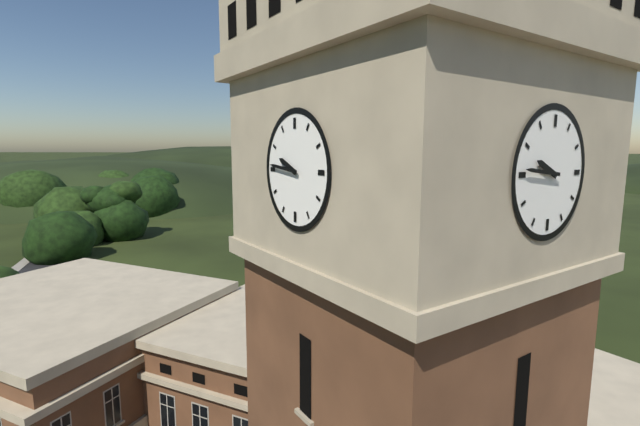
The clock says 9:46
